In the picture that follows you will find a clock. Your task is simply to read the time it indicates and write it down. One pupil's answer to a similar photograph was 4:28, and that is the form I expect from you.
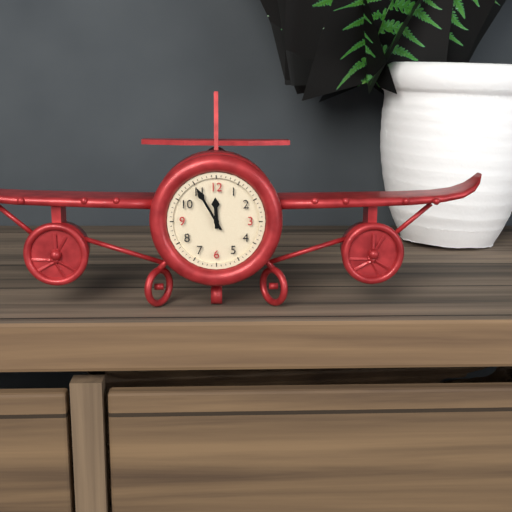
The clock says 11:55
